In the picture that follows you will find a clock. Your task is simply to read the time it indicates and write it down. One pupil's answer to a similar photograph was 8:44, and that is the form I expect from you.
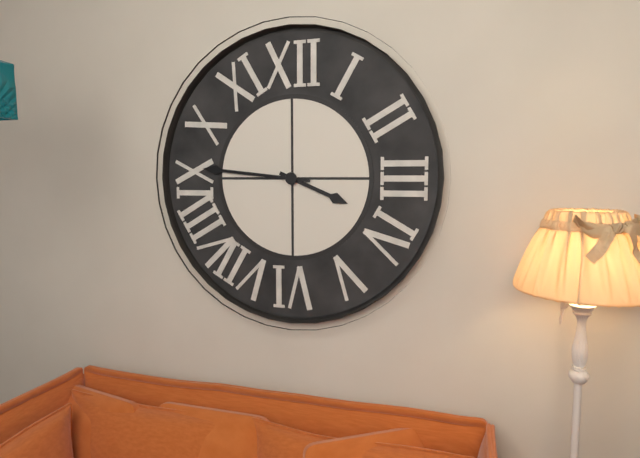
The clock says 3:46
